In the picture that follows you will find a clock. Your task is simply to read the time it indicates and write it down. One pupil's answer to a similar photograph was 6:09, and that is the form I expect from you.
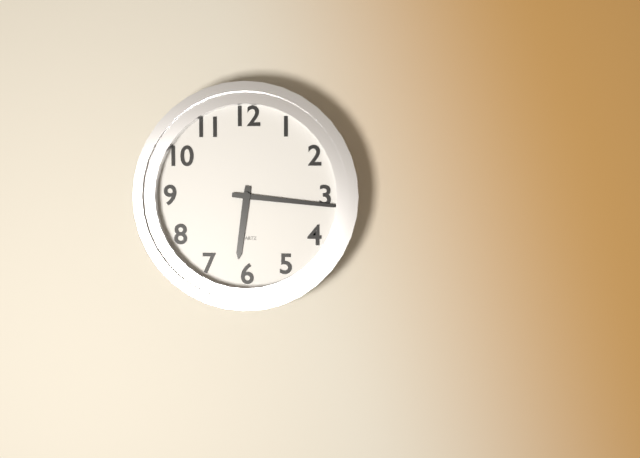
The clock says 6:16
